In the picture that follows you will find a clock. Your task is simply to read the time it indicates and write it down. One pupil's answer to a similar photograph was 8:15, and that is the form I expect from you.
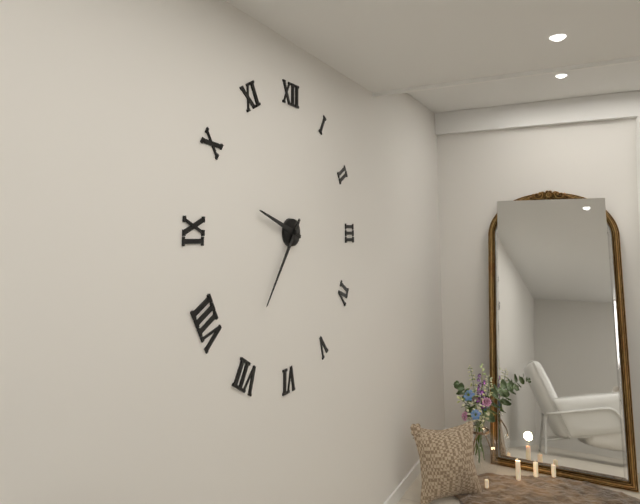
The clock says 9:36
